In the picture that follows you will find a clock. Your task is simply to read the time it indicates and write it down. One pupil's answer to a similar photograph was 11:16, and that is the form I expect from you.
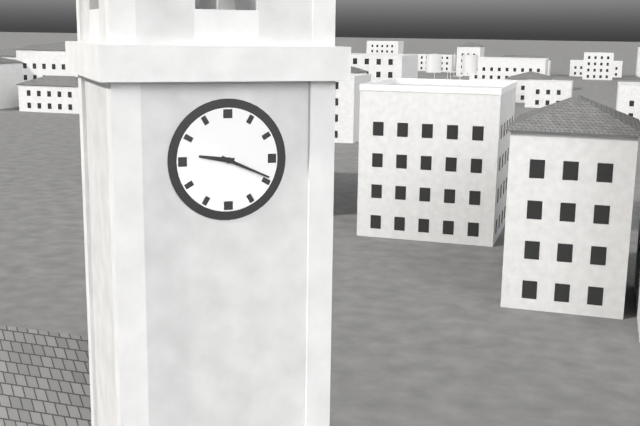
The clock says 9:19
